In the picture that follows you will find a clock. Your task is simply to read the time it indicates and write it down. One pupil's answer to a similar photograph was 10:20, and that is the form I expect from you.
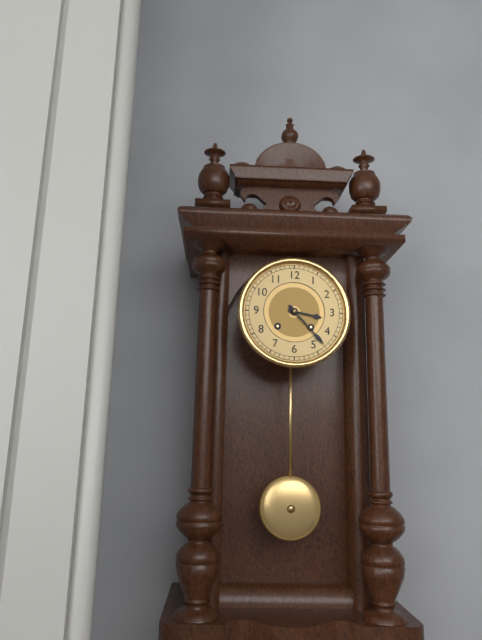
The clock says 3:23
